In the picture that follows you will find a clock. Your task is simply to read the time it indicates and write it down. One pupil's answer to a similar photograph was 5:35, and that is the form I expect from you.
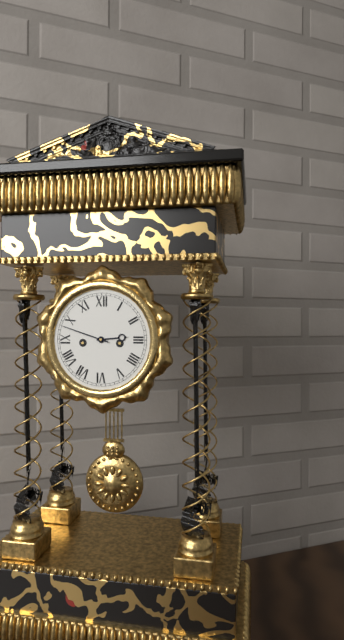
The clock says 2:48
